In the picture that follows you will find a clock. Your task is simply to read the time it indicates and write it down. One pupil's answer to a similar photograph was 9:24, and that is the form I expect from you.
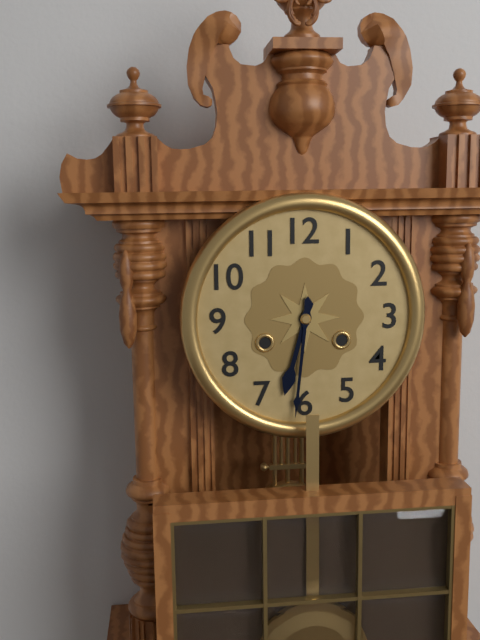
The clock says 6:31
